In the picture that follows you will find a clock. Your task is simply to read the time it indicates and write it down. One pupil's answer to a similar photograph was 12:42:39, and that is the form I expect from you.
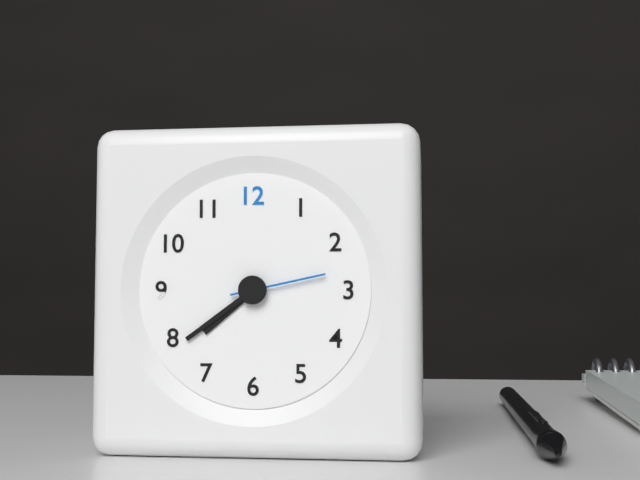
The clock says 7:39:13
